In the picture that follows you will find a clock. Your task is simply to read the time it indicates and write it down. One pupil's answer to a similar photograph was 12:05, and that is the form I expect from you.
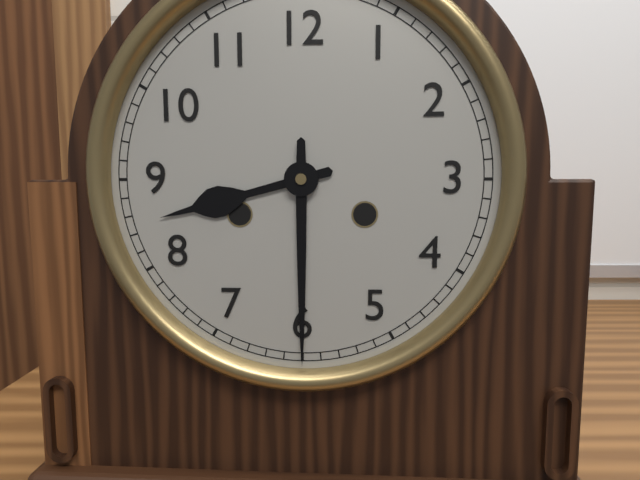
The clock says 8:30
